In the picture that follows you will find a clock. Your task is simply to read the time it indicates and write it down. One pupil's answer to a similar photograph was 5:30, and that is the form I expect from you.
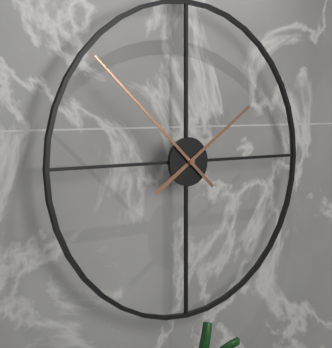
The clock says 1:52
